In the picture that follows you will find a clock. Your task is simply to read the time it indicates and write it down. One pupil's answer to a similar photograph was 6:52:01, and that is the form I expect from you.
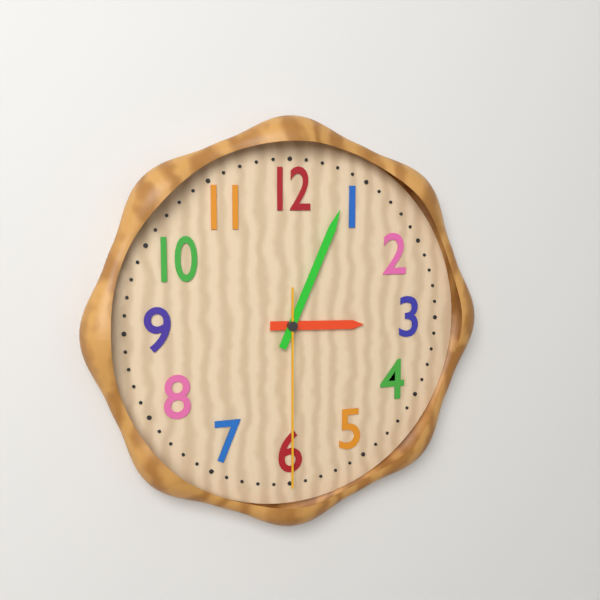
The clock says 3:04:30
